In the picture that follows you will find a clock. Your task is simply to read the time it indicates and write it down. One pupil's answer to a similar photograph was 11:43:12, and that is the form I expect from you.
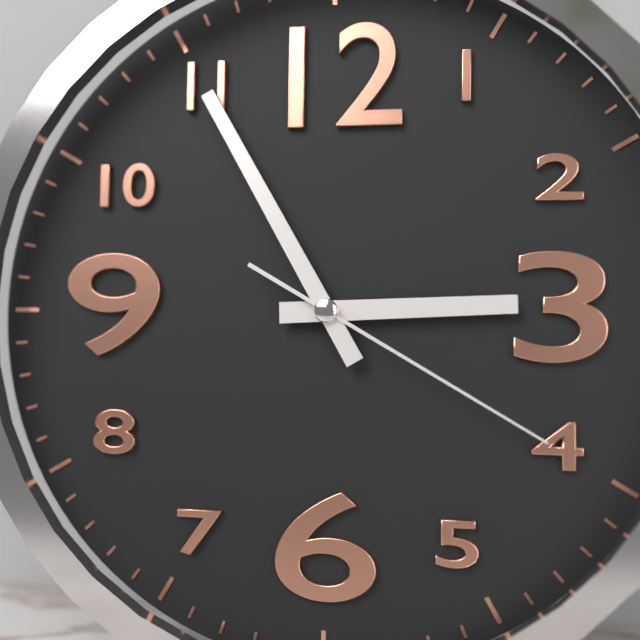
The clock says 2:55:20
